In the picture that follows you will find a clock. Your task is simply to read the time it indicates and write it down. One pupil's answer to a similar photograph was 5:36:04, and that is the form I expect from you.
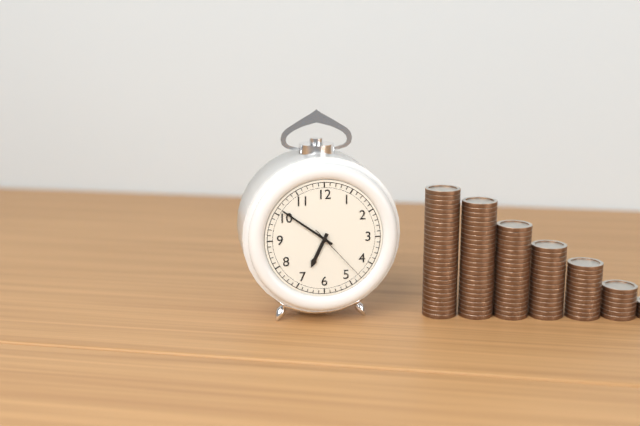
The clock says 6:51:23
